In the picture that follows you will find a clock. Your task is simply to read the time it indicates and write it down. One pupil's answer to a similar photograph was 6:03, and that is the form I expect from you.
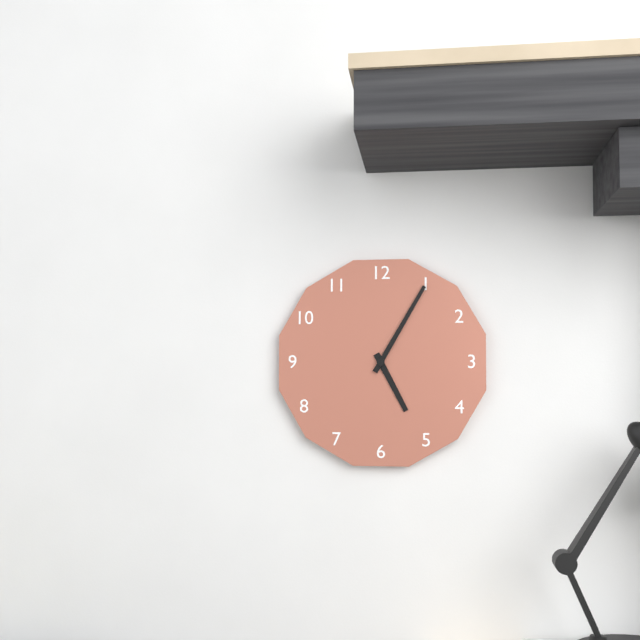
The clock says 5:05
